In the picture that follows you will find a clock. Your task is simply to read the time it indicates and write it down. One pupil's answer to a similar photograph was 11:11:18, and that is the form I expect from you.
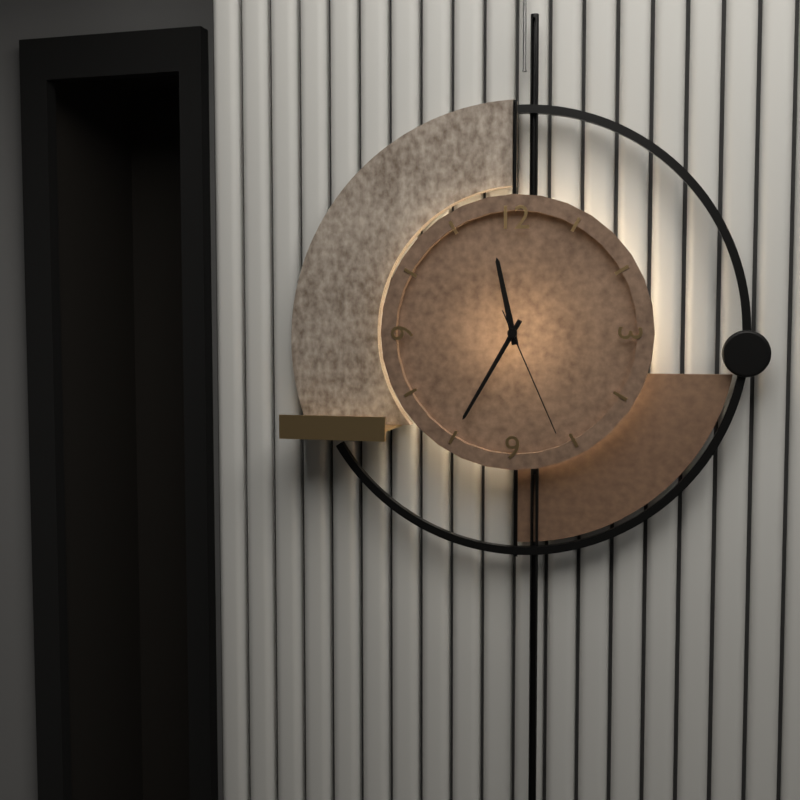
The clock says 11:35:26
